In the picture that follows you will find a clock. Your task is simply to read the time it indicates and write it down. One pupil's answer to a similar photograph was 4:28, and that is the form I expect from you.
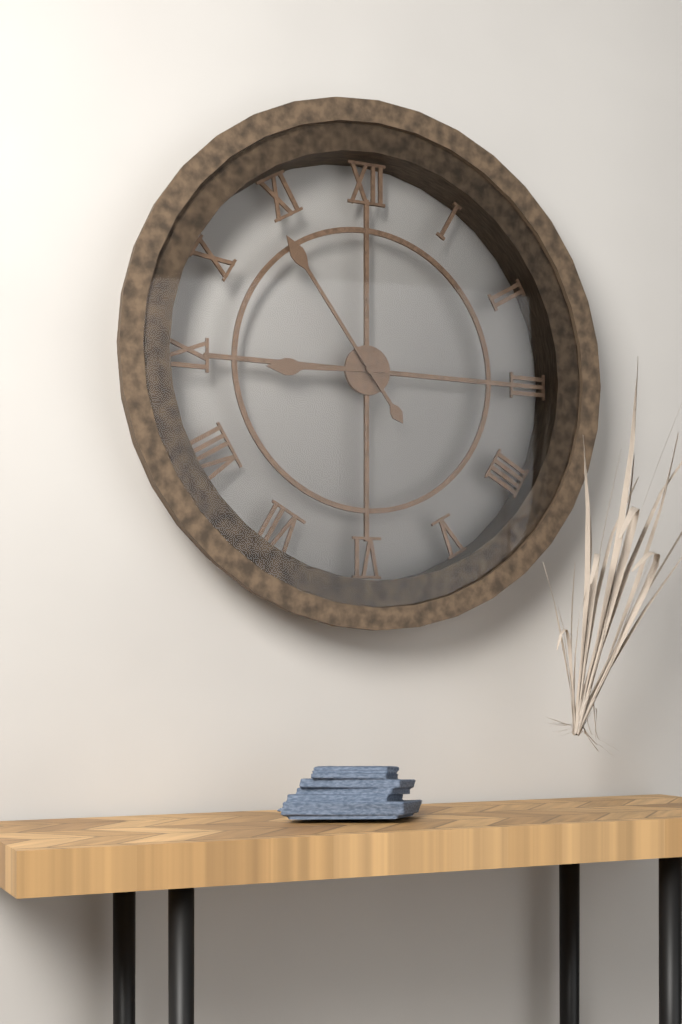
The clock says 8:54
